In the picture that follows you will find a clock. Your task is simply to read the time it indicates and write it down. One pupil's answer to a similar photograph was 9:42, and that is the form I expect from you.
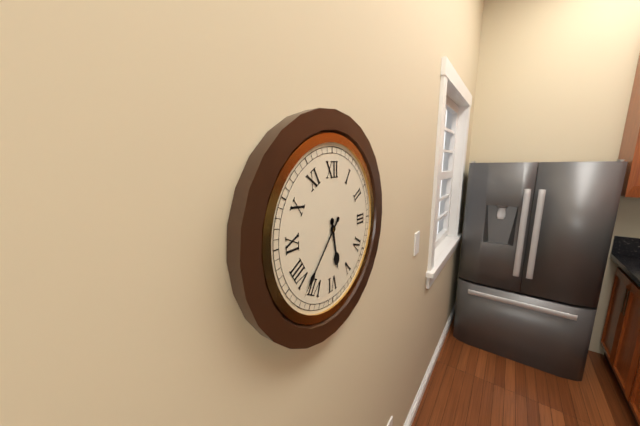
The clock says 5:37
